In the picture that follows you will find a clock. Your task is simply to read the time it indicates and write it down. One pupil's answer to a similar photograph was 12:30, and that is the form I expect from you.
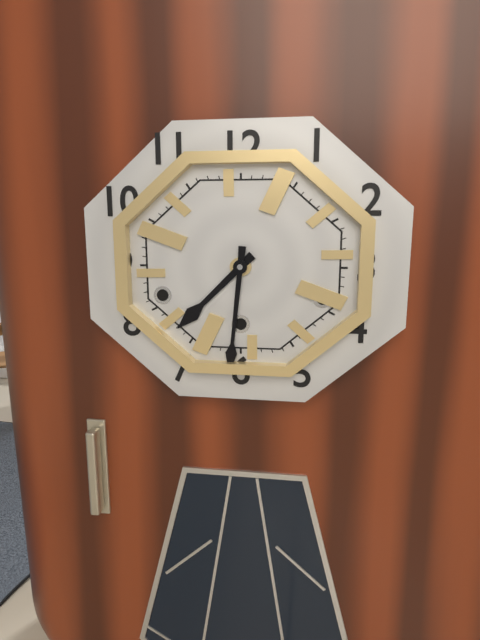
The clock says 7:31
